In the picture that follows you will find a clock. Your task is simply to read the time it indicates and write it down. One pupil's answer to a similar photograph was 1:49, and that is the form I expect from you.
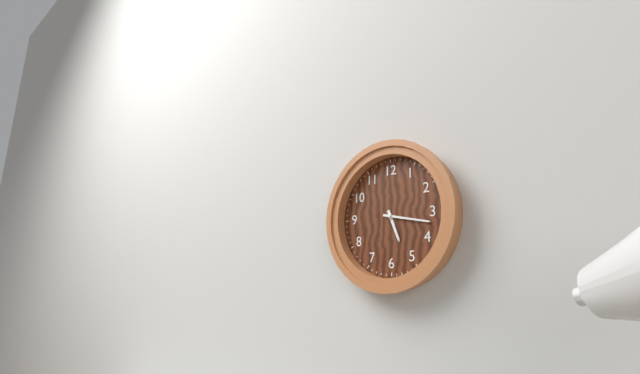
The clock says 5:17
